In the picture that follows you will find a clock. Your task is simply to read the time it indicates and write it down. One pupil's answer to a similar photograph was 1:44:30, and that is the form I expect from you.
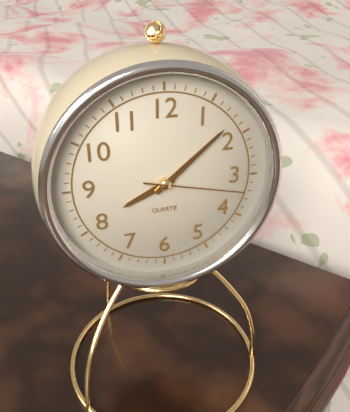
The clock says 8:08:17
